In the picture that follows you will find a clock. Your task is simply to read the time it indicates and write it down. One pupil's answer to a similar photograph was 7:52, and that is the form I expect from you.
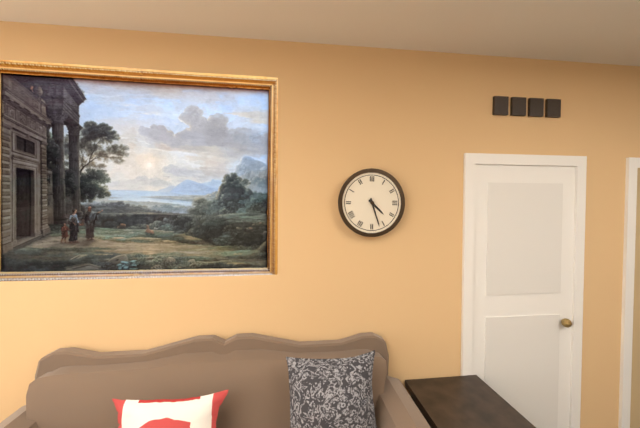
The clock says 4:27
